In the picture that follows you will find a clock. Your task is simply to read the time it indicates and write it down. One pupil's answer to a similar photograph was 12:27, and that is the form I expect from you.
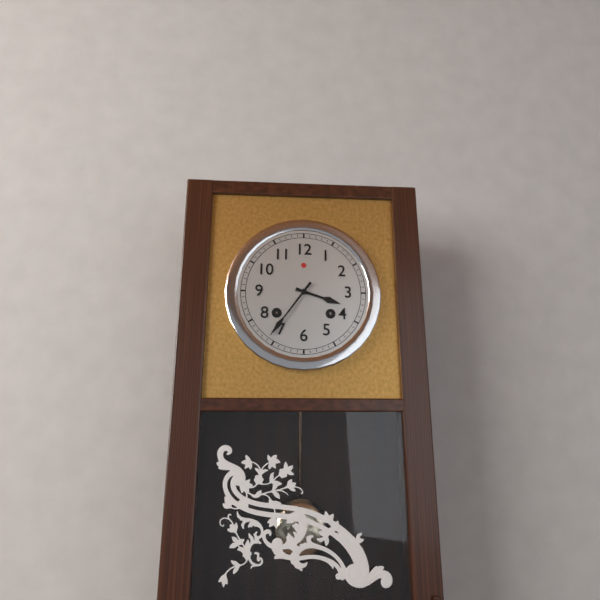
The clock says 3:36
